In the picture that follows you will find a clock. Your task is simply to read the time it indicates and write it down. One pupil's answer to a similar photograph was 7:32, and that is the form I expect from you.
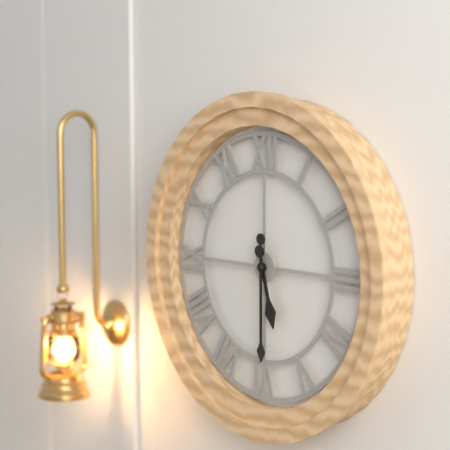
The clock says 5:30
